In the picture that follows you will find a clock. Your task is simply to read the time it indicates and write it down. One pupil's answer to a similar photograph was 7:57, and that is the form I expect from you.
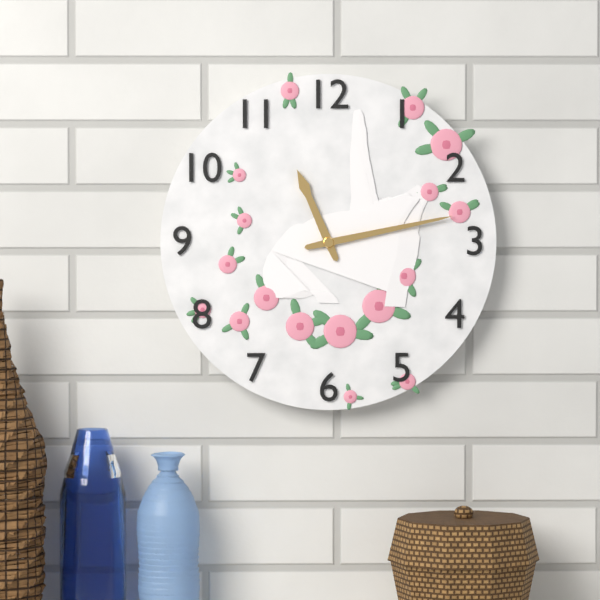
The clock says 11:13
